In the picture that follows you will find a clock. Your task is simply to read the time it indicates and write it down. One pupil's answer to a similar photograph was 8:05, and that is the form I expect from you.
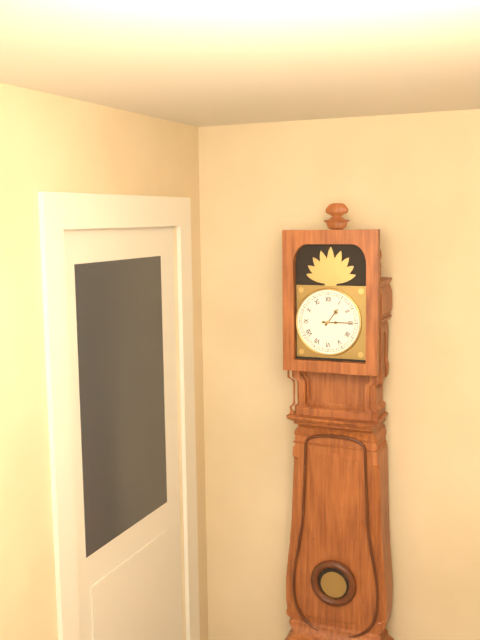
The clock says 1:15
